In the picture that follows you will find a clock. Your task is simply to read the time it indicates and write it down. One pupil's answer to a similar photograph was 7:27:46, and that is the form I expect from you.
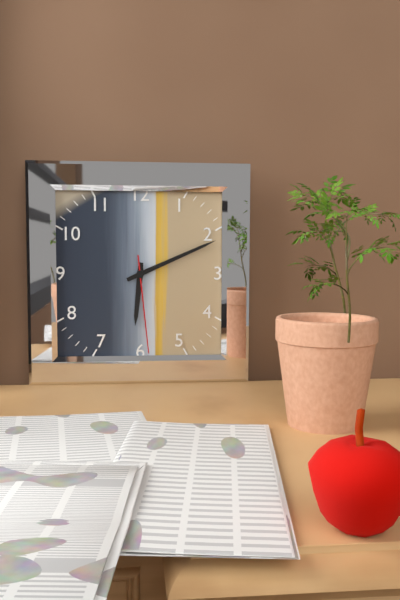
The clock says 6:11:29
